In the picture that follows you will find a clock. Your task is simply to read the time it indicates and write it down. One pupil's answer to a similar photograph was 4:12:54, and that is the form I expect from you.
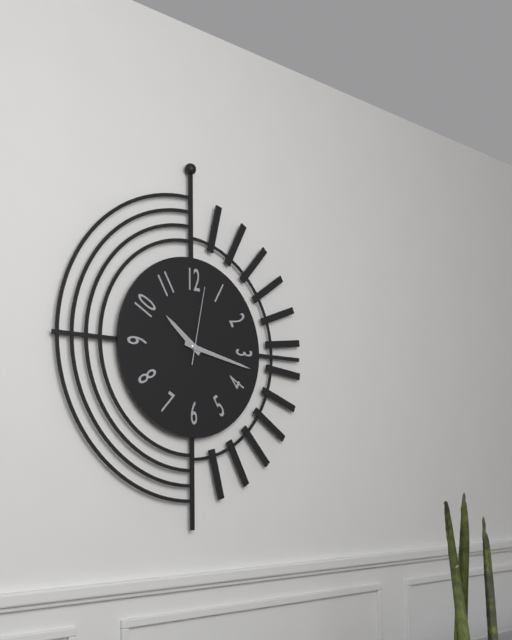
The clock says 10:17:02
